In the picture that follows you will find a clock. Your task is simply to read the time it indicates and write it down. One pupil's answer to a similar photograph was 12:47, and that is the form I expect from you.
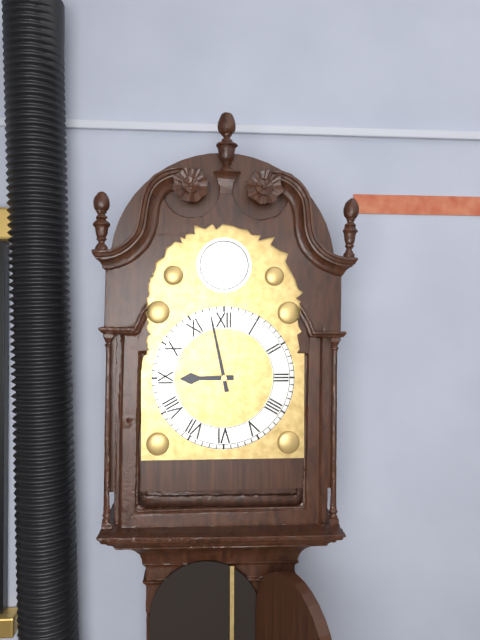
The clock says 8:58
